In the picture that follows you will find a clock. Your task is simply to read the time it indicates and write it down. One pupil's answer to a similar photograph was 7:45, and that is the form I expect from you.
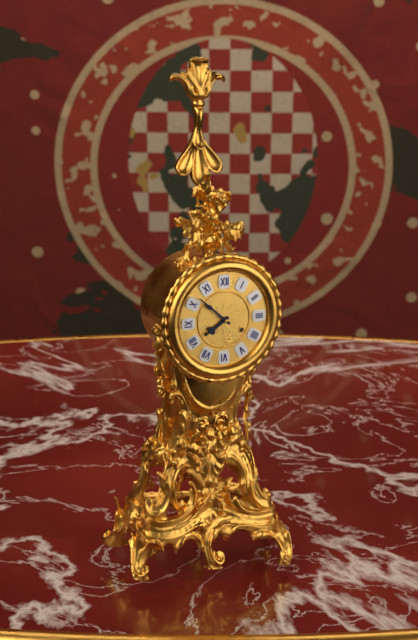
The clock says 7:52
